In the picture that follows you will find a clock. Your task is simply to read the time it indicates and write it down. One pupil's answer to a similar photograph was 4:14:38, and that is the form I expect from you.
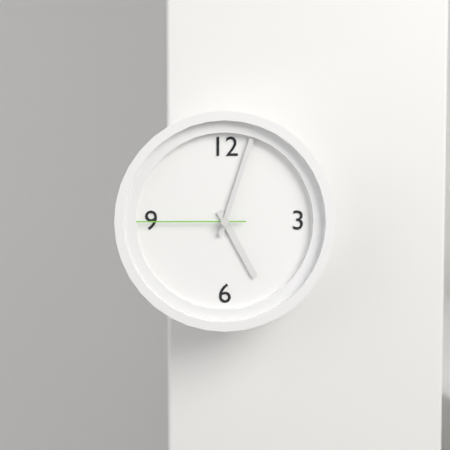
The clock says 5:03:45
